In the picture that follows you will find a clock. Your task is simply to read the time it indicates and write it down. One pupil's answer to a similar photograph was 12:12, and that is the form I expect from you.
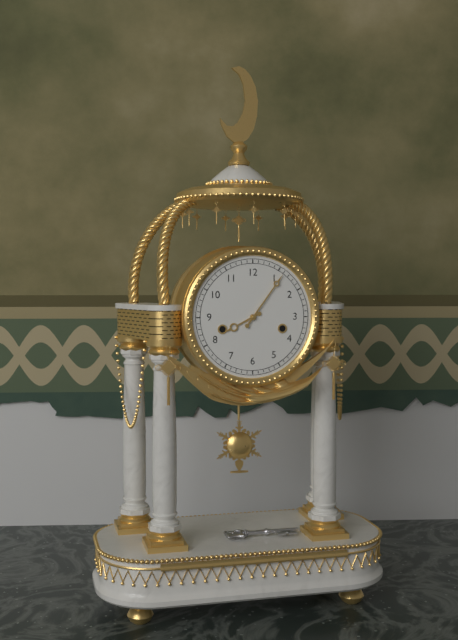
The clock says 8:06
